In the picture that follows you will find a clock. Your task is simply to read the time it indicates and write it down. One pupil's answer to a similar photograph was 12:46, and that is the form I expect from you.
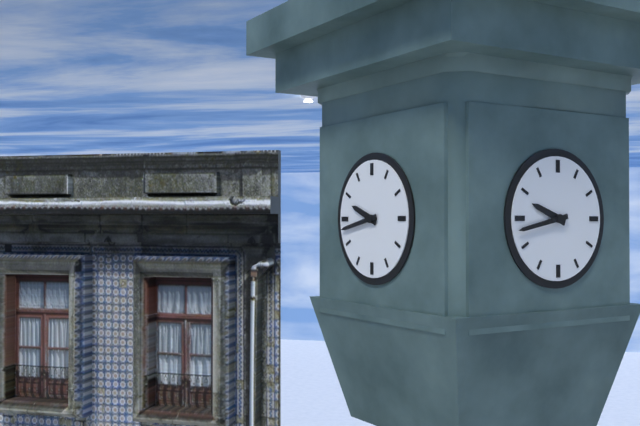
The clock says 9:43
